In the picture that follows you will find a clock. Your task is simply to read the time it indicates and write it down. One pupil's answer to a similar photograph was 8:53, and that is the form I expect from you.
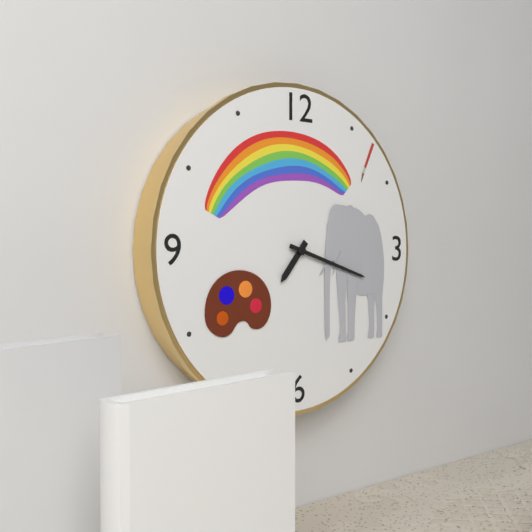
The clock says 7:18
